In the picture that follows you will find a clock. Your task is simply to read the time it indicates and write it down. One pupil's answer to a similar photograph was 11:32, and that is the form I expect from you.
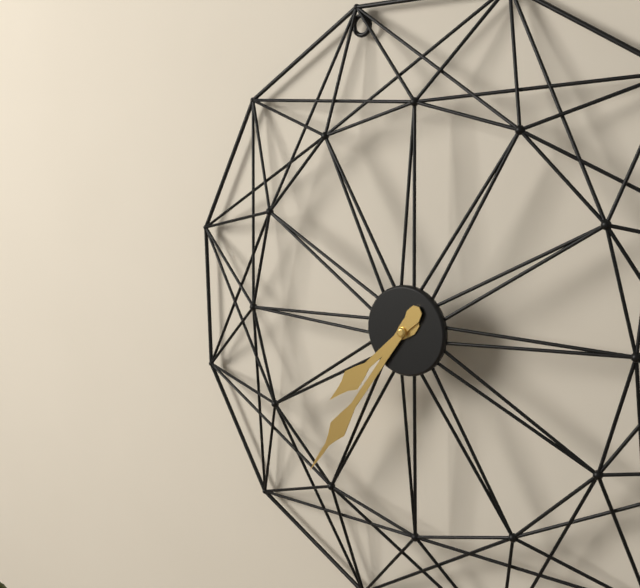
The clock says 7:36
